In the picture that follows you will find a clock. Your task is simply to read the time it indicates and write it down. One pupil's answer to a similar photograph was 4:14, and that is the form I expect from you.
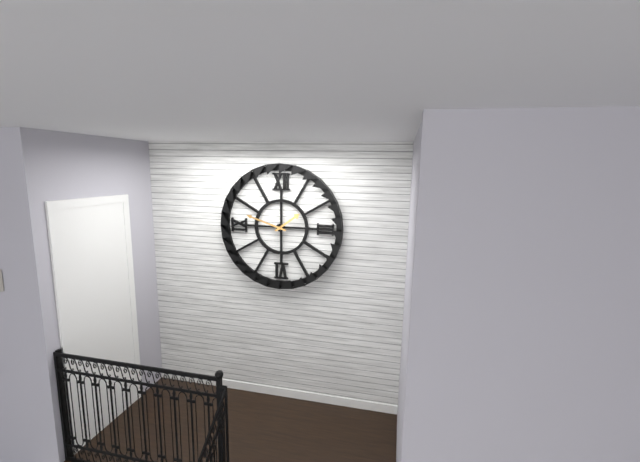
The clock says 1:48
